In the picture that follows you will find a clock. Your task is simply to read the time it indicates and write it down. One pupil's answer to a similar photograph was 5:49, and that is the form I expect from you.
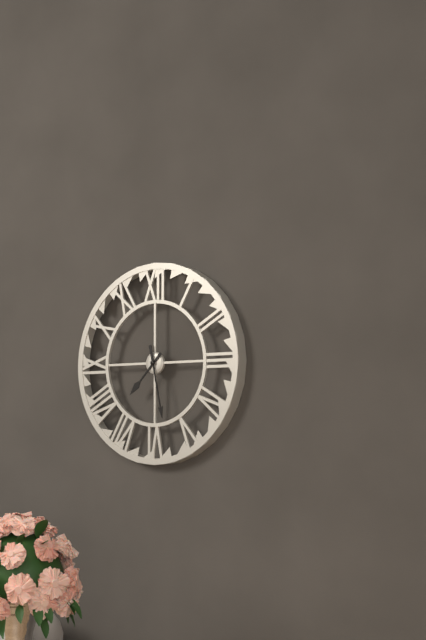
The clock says 7:28
